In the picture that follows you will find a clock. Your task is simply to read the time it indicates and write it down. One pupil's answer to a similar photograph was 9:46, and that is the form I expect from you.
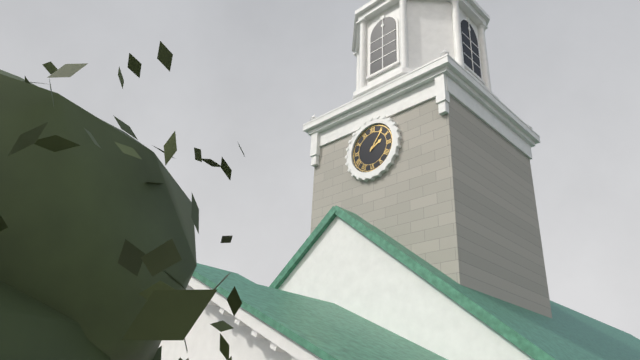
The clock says 2:06
